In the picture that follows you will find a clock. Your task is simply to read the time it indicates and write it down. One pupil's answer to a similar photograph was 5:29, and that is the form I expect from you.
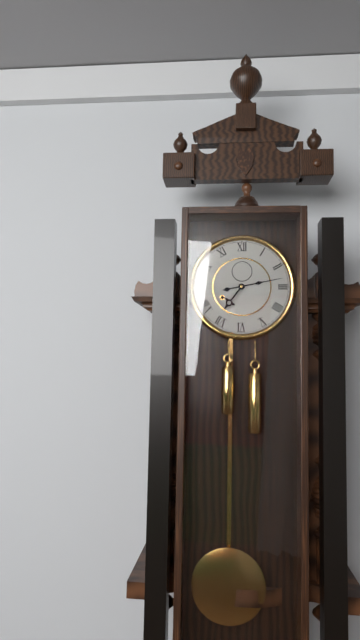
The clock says 7:13
